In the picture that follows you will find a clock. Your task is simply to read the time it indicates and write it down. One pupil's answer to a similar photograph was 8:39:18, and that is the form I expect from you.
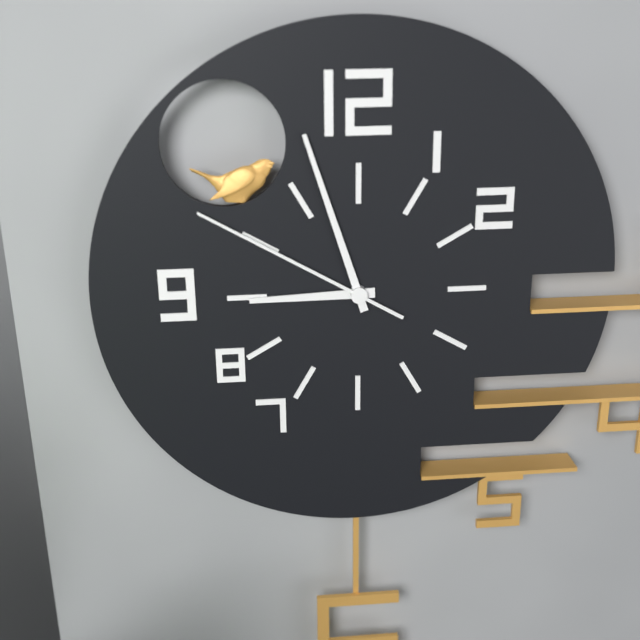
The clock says 8:57:50
